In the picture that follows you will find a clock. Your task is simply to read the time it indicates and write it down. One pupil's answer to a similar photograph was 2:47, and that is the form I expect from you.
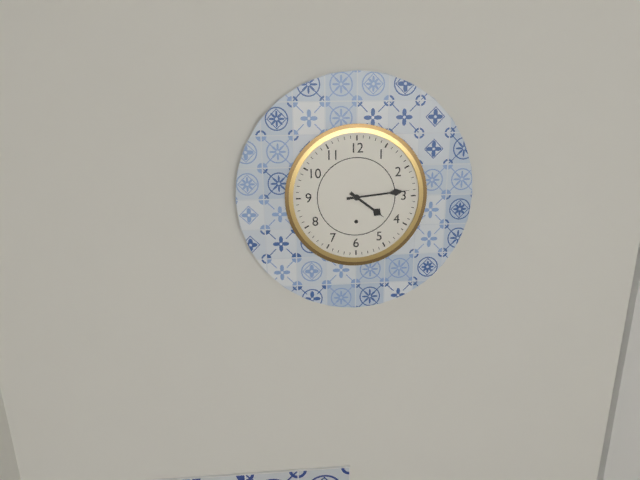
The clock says 4:14
